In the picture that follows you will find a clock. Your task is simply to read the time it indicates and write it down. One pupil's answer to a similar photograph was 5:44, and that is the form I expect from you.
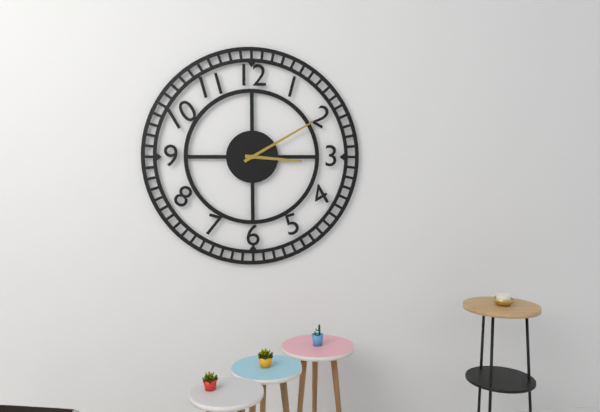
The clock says 3:10
